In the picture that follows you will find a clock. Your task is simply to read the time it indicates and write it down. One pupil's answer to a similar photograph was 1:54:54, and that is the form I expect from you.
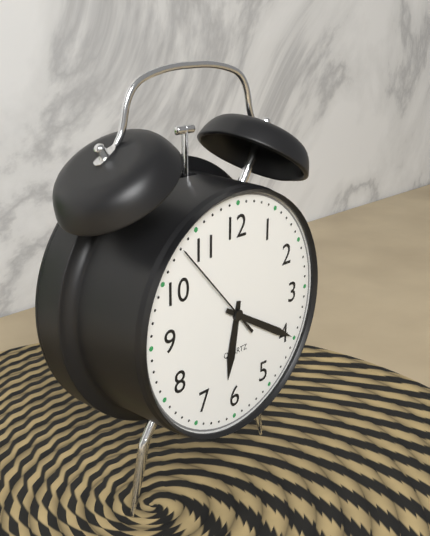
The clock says 6:20:53
